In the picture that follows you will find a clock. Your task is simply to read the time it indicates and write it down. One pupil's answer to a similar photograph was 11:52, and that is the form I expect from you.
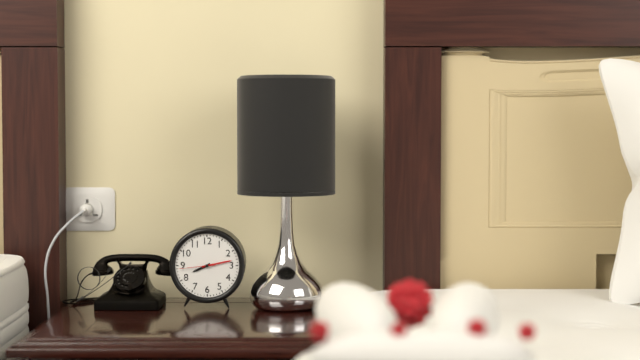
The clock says 8:13
